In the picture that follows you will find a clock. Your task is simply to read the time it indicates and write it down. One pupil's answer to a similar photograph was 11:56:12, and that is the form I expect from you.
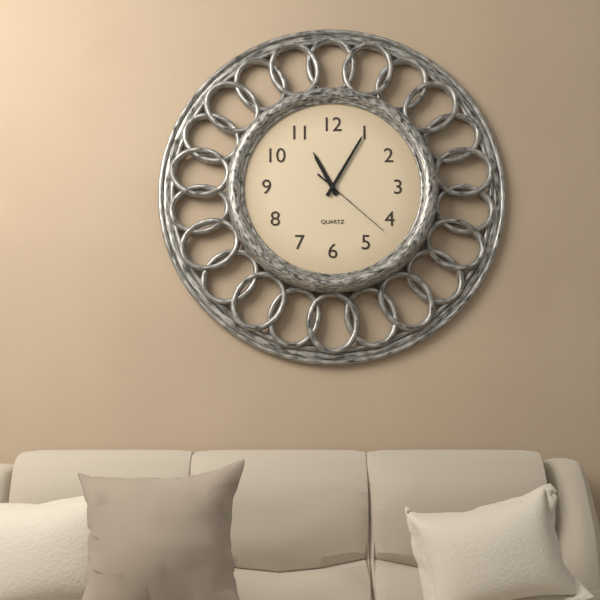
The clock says 11:05:22
